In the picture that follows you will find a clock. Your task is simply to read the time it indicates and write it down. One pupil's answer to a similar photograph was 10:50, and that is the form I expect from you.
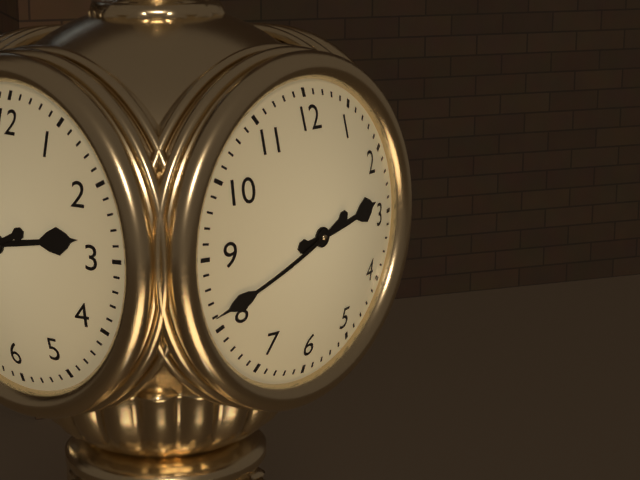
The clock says 2:41
